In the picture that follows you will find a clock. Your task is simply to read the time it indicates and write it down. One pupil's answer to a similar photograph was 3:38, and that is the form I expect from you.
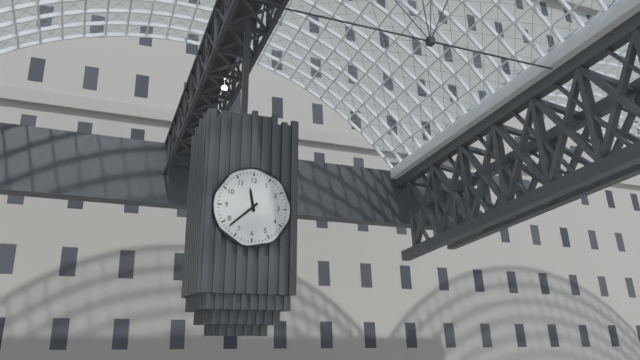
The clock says 11:38
